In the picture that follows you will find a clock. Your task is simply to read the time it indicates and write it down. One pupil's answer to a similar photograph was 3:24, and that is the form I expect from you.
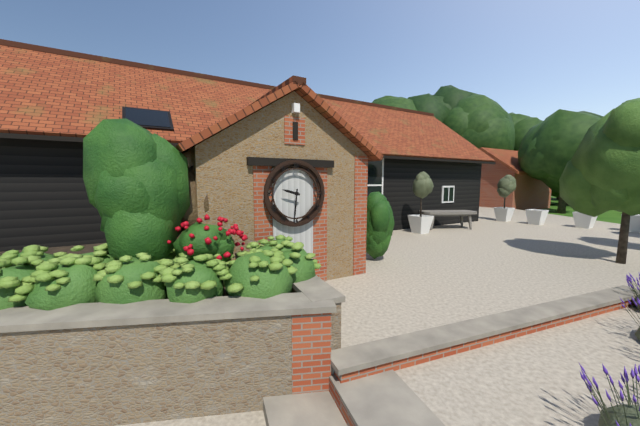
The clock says 9:31
